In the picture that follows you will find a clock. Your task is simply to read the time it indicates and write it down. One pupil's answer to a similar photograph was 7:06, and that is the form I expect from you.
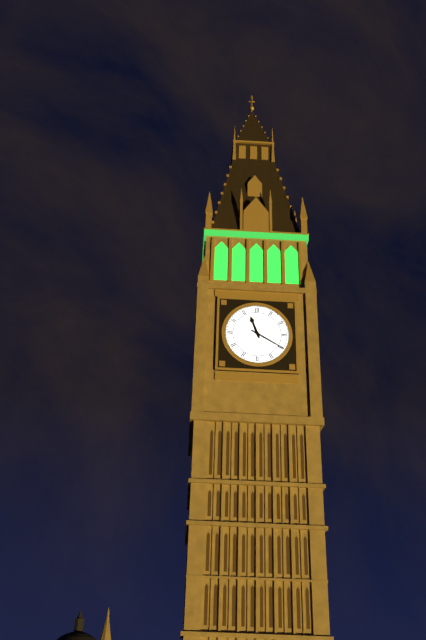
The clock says 11:20
